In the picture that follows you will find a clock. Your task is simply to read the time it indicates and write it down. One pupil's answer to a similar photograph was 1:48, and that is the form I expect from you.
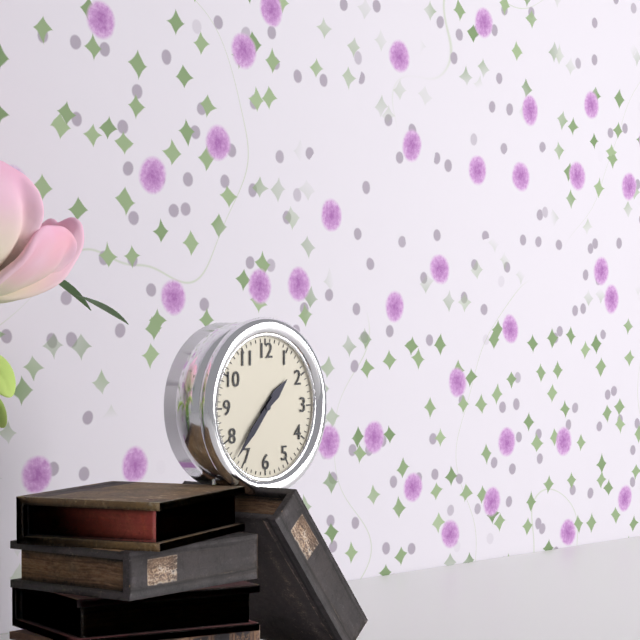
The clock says 1:37
